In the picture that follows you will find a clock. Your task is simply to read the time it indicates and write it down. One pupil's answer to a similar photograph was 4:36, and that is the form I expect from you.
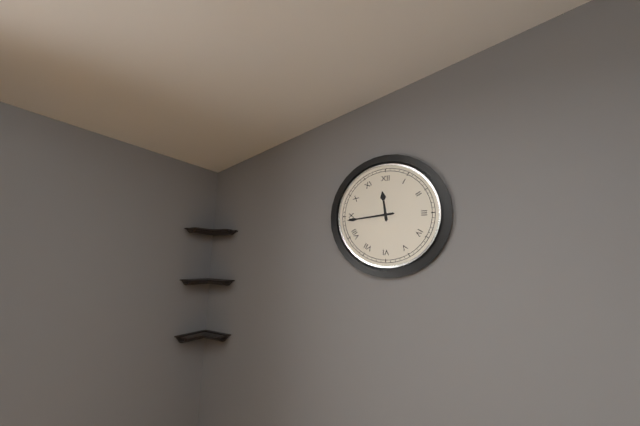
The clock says 11:44
